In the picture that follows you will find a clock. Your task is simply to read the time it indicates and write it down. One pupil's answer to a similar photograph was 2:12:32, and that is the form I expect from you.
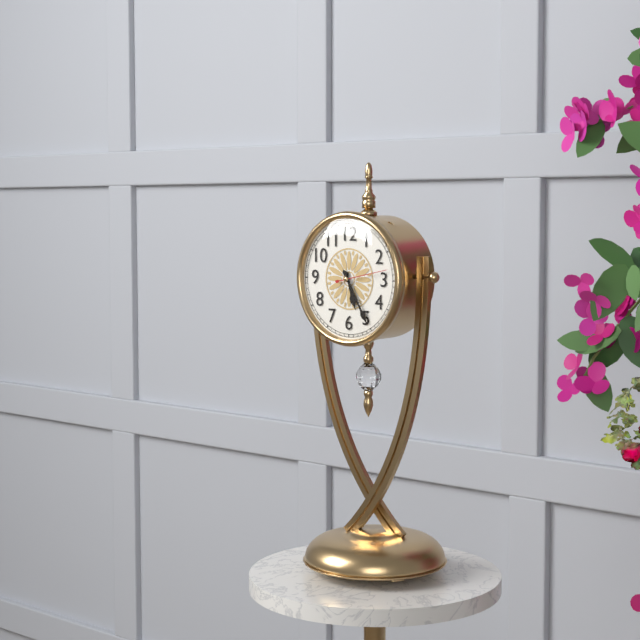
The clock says 5:25:13
